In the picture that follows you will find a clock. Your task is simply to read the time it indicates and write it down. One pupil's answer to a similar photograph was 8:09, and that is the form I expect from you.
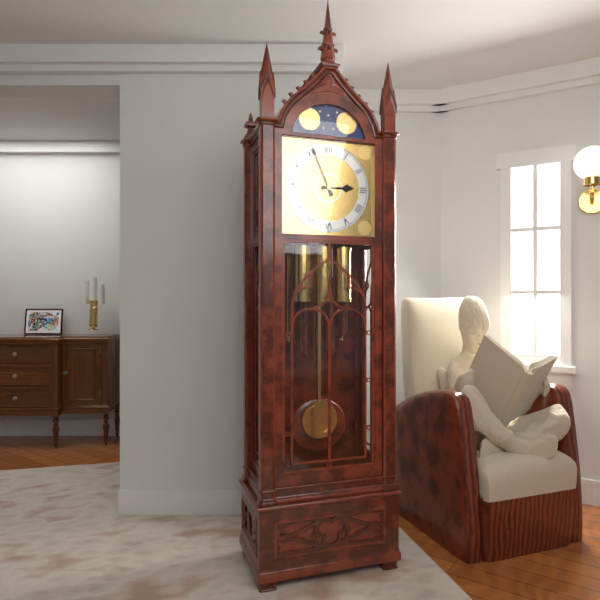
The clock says 2:56
